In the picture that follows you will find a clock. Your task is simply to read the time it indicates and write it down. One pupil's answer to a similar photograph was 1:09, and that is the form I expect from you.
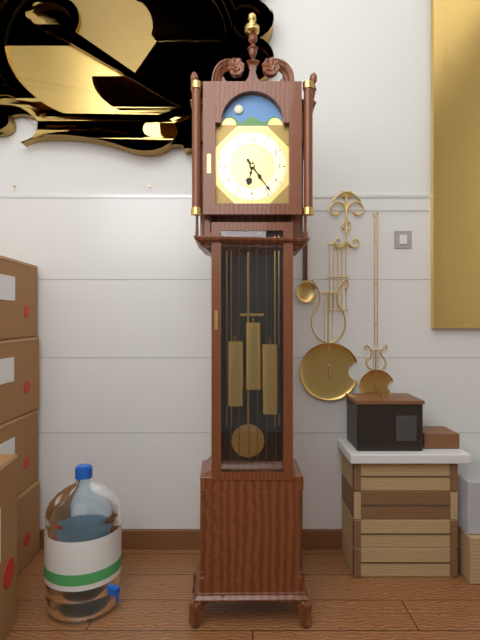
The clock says 6:24
